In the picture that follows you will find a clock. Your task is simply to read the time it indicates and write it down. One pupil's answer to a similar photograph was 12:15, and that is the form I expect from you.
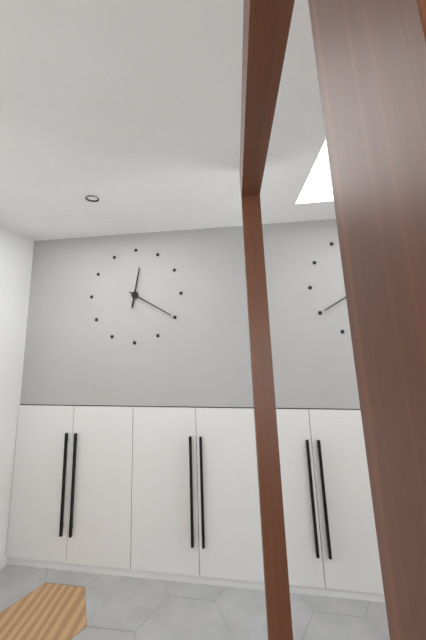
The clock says 12:20
